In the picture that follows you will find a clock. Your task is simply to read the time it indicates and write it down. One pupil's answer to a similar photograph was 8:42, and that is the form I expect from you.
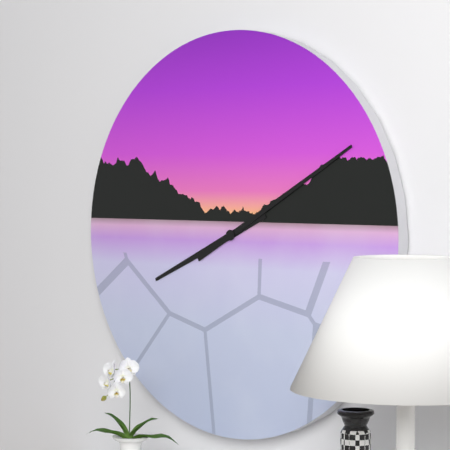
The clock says 8:10
